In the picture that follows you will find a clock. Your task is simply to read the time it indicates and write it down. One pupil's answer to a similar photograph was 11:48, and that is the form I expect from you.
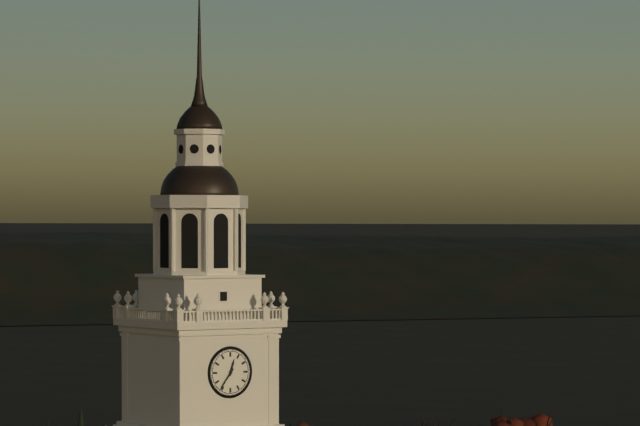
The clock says 12:36
